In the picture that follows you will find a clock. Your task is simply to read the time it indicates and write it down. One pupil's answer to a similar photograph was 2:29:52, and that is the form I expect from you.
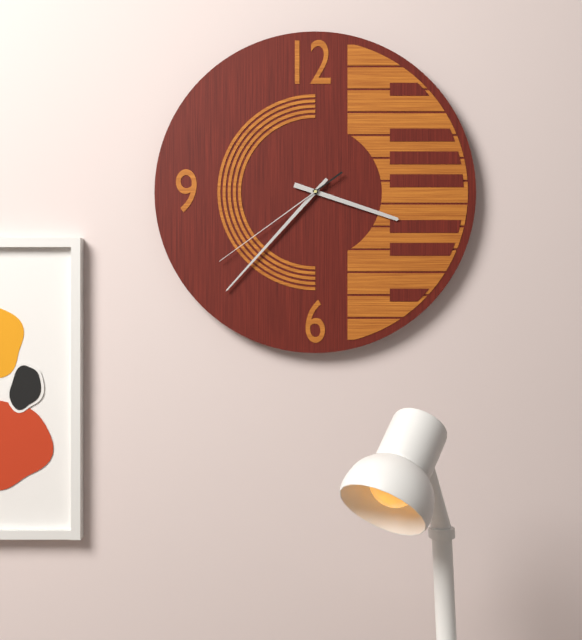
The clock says 3:37:39
